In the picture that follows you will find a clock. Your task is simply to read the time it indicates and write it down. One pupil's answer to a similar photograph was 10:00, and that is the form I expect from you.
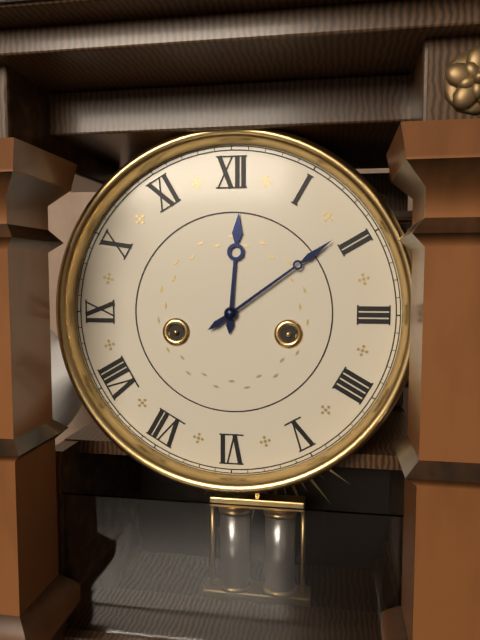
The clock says 12:09
